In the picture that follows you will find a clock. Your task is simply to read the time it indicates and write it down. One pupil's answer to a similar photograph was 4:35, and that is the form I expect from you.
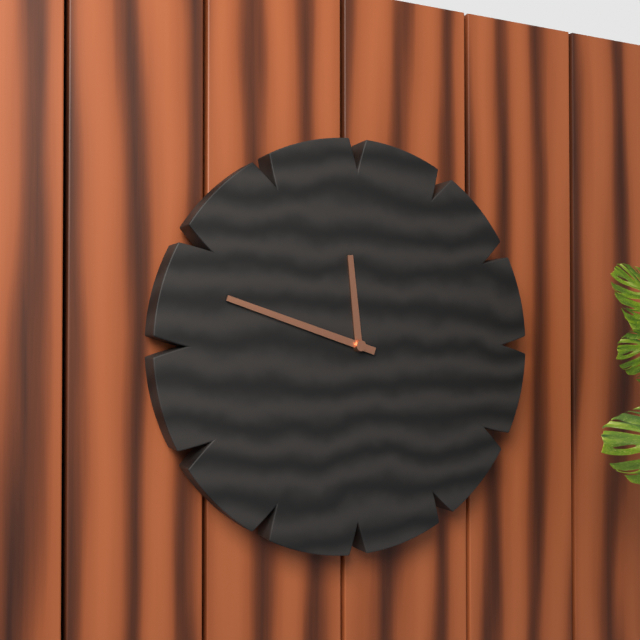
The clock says 11:48
